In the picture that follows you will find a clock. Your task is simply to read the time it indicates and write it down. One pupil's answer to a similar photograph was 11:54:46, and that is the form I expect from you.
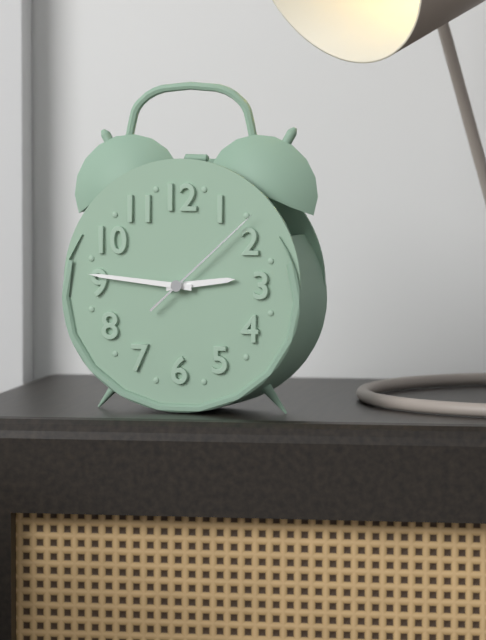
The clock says 2:46:08
